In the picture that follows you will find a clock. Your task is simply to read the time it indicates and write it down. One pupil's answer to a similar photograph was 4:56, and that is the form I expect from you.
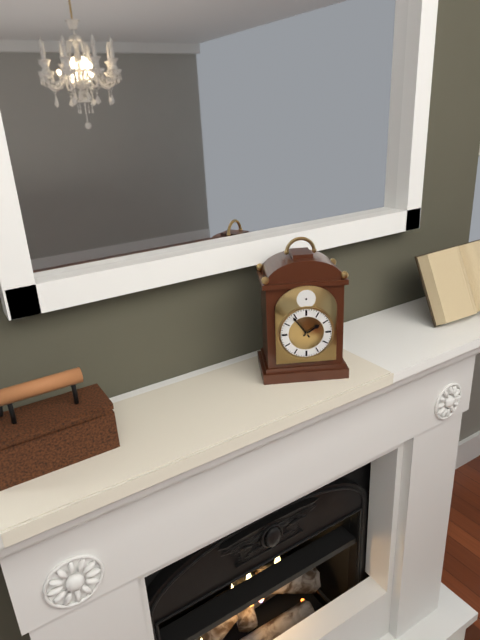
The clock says 1:54
